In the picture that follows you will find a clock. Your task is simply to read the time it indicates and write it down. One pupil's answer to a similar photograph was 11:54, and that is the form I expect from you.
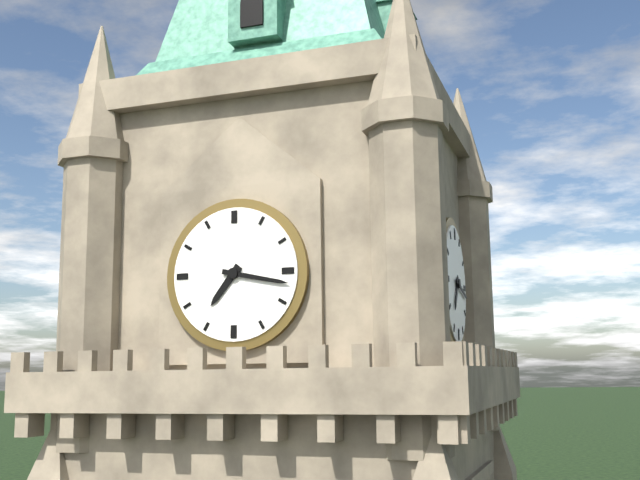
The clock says 7:17
